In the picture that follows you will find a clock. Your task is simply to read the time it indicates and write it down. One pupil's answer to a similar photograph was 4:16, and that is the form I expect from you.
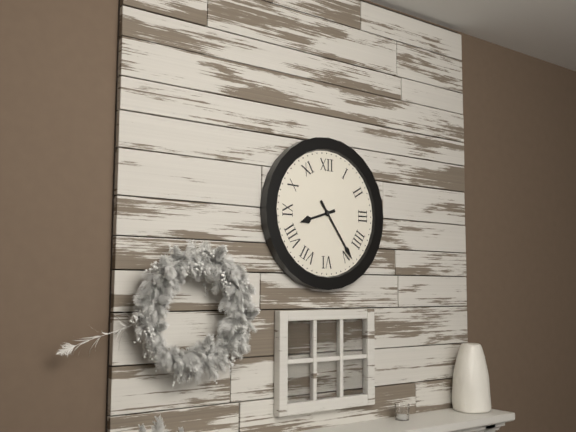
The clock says 8:24
